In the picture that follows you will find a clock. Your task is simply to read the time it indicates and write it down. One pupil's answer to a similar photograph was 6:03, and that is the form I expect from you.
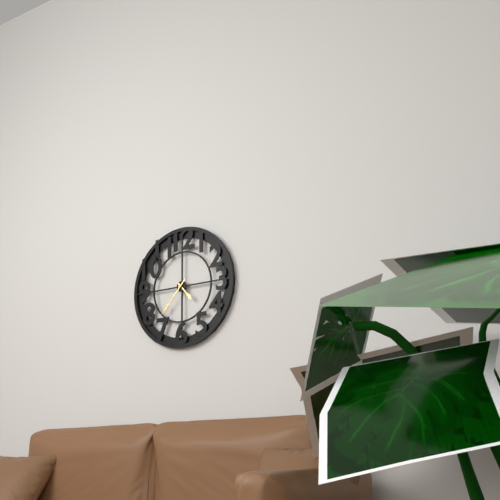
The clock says 4:37
